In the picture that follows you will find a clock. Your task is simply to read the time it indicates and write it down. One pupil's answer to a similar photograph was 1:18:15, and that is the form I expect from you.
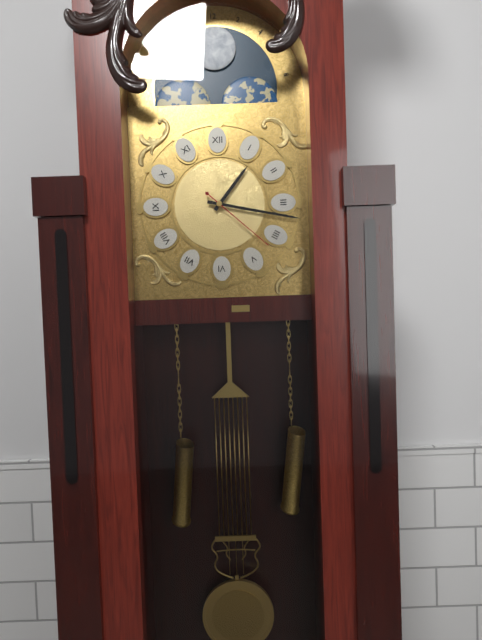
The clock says 1:17:22
